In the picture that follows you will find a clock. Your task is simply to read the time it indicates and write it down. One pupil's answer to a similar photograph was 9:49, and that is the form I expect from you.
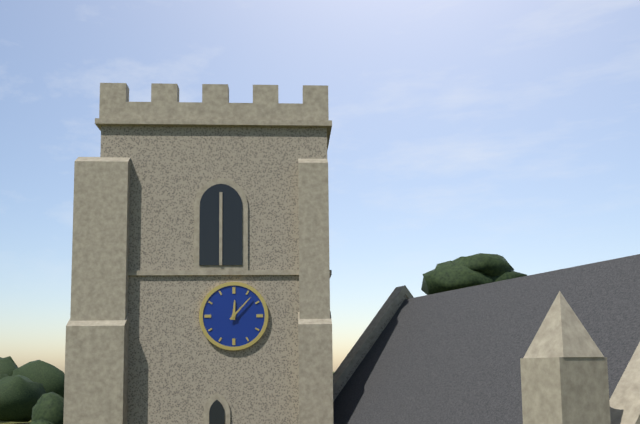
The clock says 12:07
